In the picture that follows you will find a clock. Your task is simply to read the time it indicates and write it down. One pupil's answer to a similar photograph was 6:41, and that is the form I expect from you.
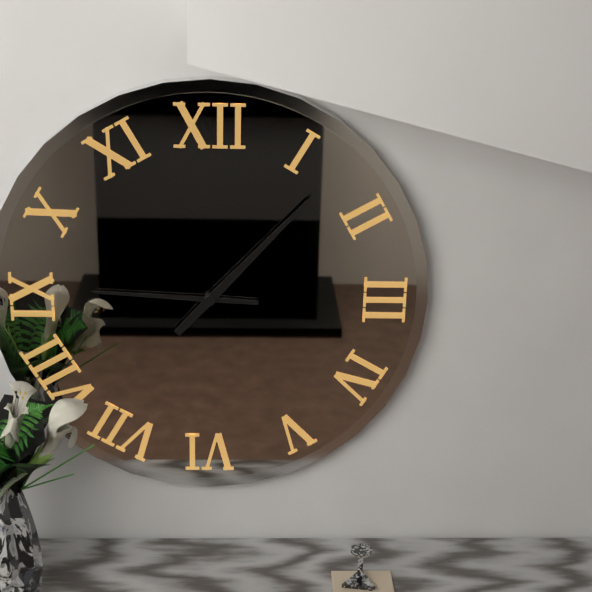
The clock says 9:07
